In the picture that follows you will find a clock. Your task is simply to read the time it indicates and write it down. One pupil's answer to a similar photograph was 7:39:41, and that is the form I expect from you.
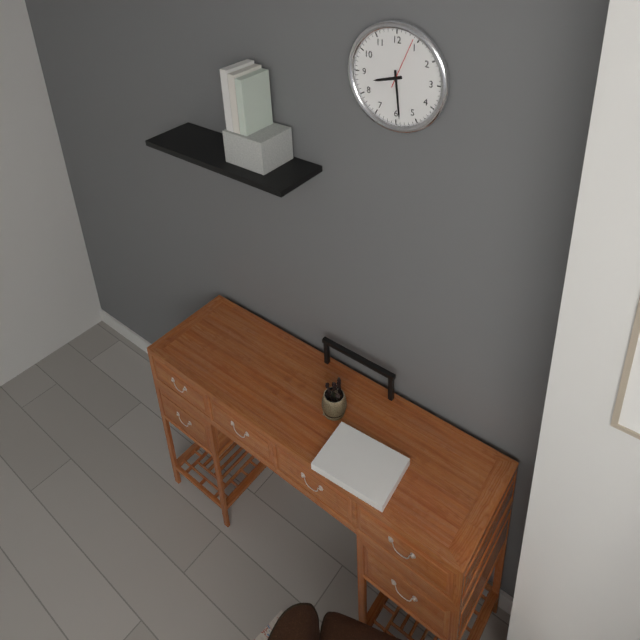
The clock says 8:29:04
